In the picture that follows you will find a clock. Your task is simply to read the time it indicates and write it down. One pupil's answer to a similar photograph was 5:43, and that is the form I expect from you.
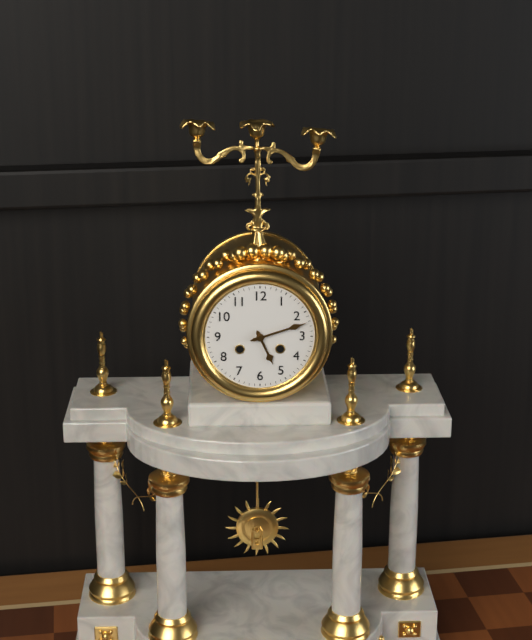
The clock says 5:12
